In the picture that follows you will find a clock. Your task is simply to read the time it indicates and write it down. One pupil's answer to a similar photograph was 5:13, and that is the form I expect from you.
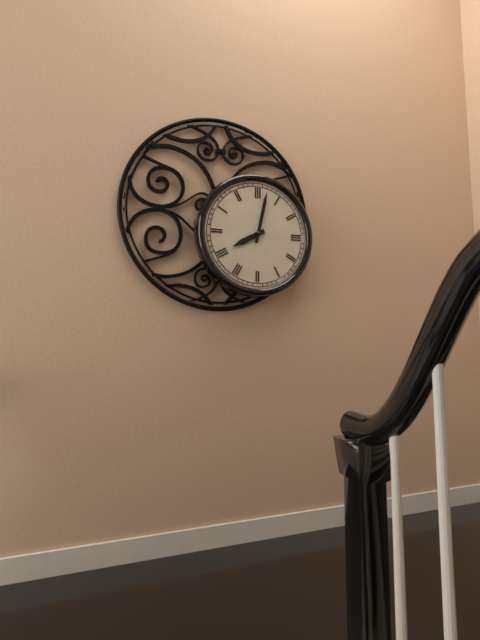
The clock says 8:02
